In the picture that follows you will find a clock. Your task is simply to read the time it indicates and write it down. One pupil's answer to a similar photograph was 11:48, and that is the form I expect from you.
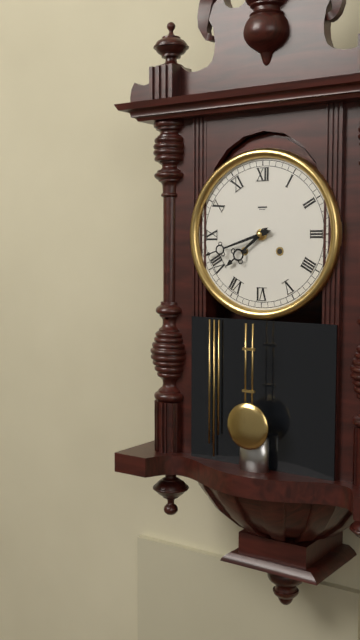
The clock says 7:42
